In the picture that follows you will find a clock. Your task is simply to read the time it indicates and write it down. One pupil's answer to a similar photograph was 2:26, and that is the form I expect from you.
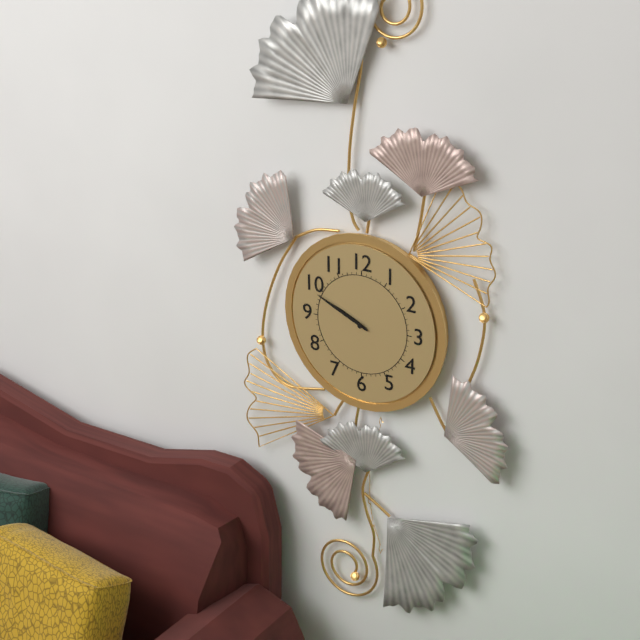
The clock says 9:49
